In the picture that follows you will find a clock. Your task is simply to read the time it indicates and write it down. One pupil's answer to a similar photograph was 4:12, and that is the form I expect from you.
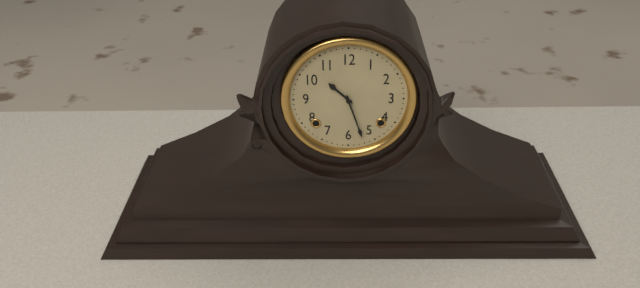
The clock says 10:27
